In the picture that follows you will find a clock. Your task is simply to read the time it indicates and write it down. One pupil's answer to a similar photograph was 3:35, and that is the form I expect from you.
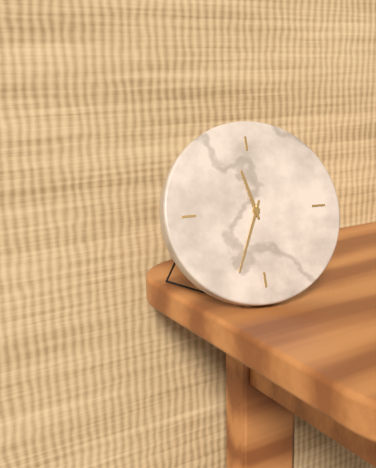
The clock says 11:34
